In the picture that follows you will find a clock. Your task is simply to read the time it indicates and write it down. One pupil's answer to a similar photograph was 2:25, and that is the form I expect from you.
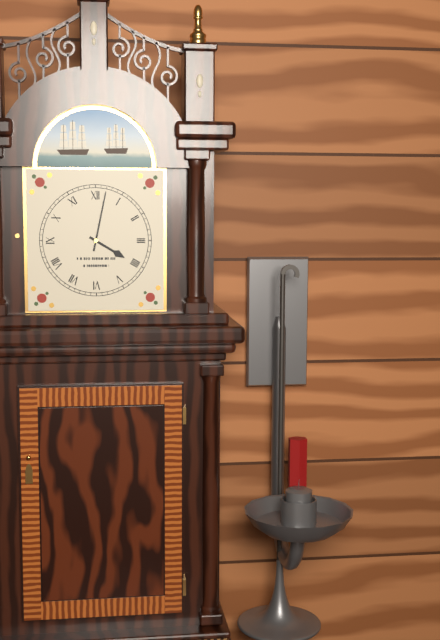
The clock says 4:02
